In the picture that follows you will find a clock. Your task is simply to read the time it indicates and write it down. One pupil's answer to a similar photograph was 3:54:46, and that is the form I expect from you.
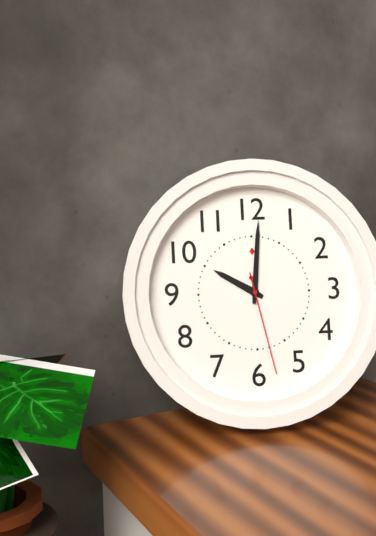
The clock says 10:01:28
